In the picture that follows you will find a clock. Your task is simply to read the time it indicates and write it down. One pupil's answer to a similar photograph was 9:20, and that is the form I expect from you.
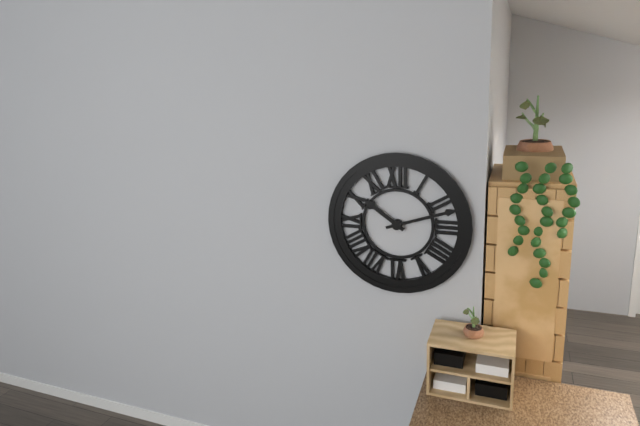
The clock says 10:12
